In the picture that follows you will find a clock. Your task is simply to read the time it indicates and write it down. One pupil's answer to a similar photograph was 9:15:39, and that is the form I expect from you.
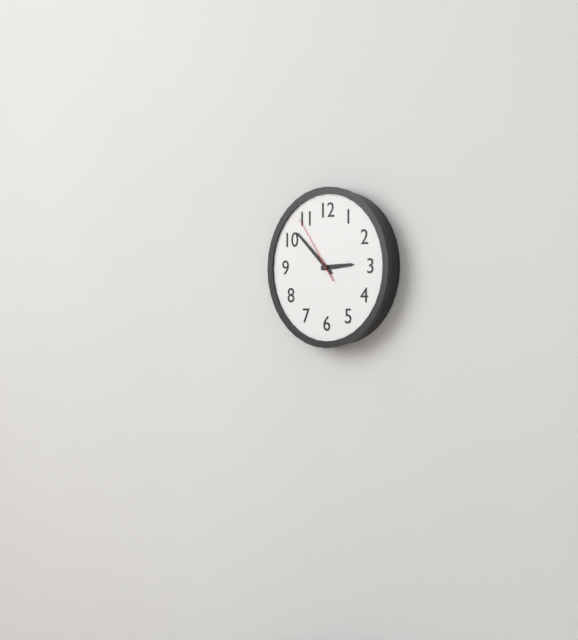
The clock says 2:52:54
